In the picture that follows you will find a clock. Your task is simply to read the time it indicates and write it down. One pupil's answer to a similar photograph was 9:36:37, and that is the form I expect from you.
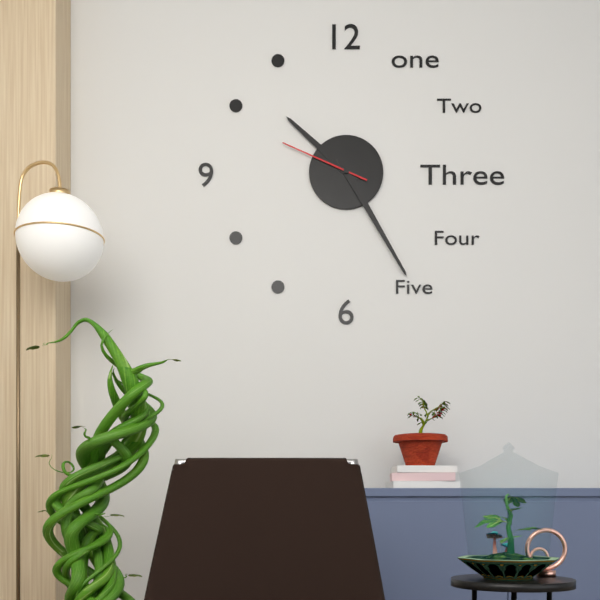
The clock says 10:25:49
